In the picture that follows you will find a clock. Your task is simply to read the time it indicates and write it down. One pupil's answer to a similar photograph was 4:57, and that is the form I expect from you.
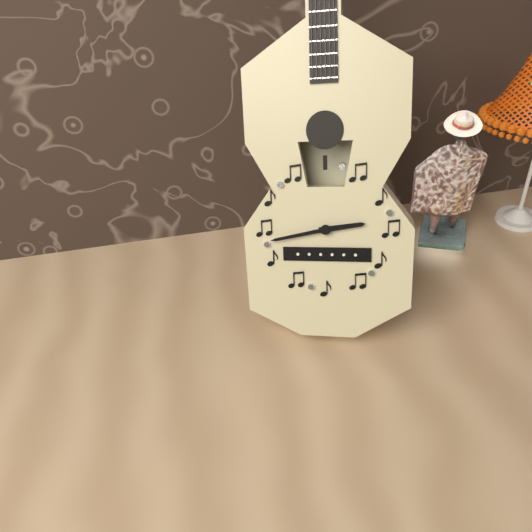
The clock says 2:43
